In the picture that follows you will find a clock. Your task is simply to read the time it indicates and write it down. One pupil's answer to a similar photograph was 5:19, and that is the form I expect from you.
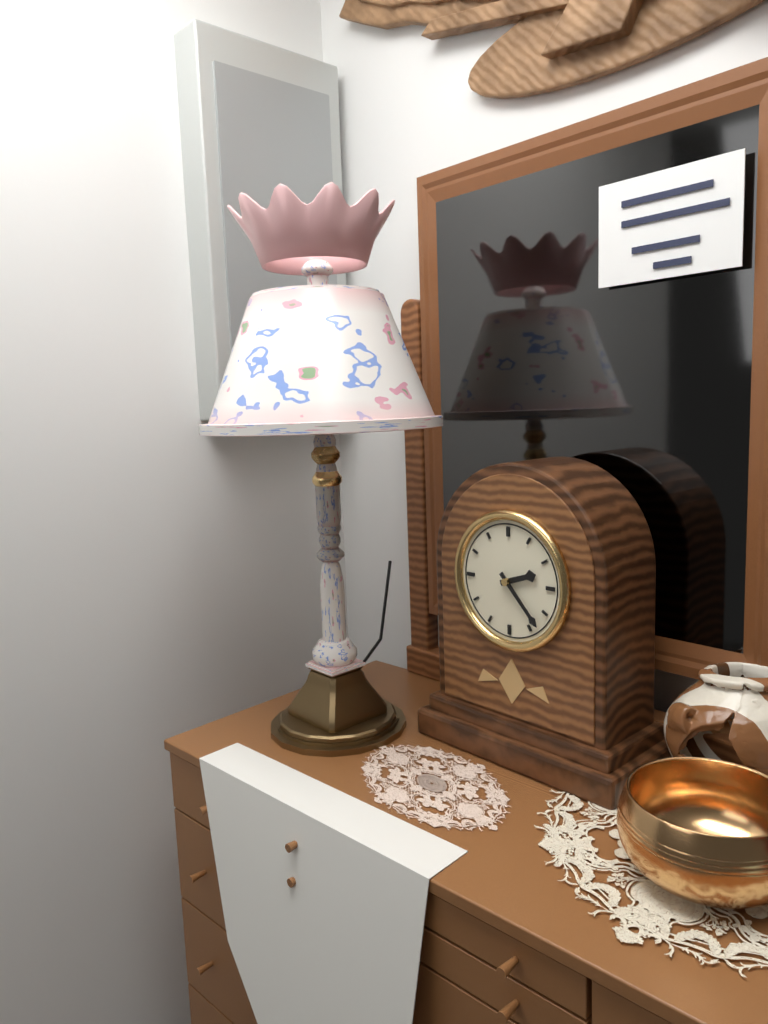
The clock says 2:23
